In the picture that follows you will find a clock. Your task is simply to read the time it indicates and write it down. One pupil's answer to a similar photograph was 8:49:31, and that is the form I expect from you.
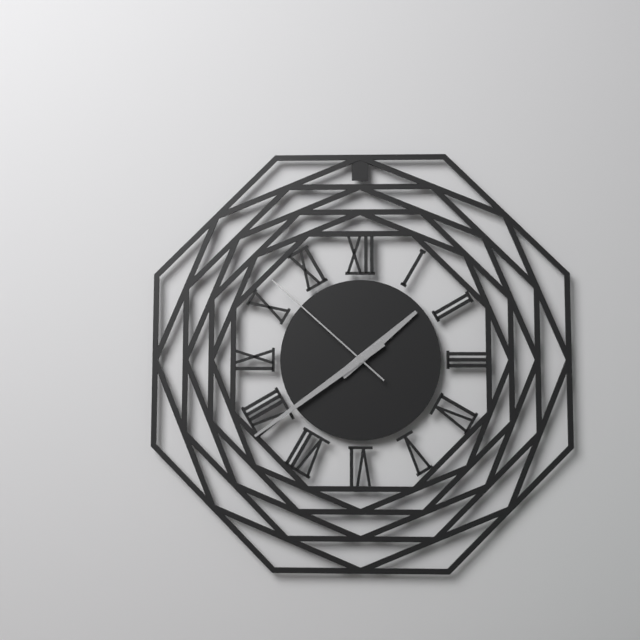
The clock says 1:39:52
